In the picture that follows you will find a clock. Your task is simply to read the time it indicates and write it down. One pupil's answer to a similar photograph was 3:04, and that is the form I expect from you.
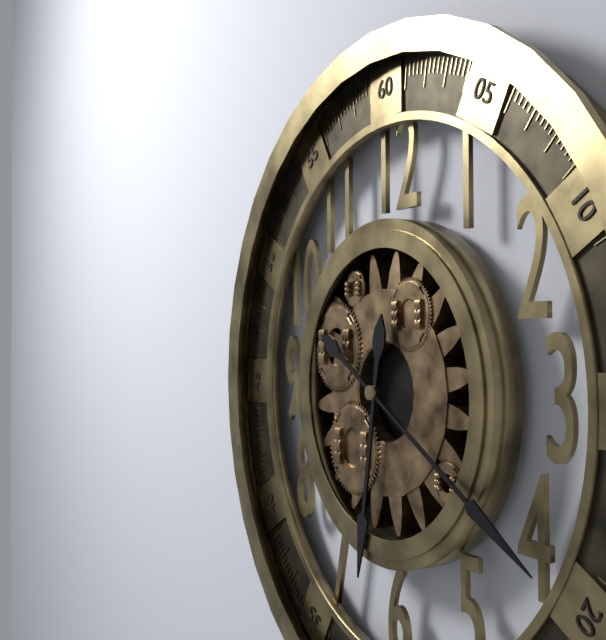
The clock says 6:20
